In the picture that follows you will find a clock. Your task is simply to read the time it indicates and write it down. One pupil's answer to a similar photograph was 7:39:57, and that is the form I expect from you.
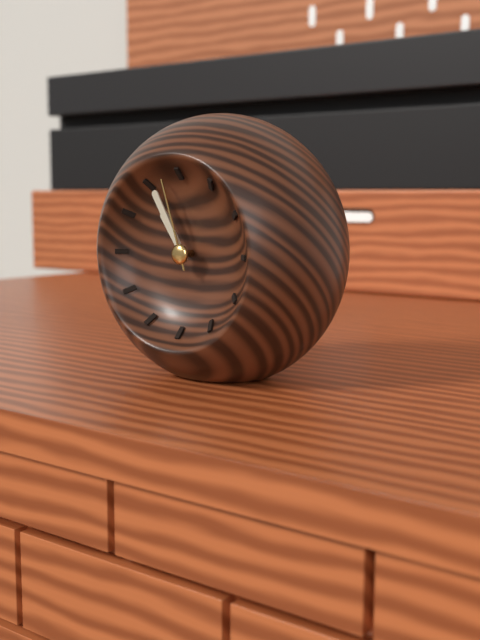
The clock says 10:55:57
